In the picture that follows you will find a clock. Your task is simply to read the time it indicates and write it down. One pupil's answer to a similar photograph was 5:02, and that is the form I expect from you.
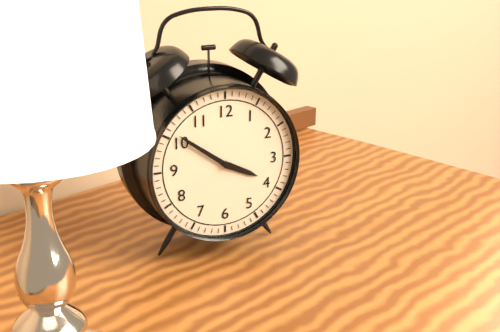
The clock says 3:51
